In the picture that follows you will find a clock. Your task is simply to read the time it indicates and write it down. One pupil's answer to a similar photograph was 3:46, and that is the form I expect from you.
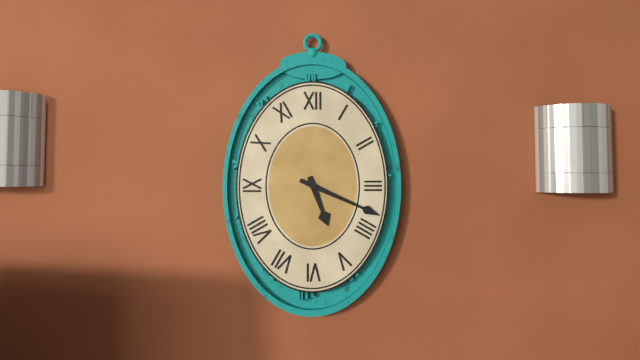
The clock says 5:19
